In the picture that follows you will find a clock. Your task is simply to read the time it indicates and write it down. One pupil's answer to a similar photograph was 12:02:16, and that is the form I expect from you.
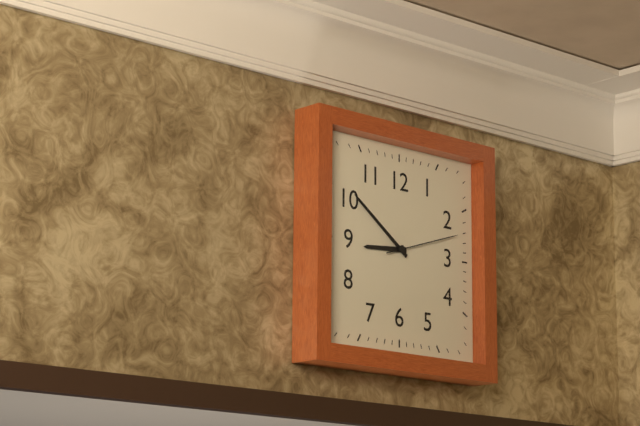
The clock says 8:51:12
